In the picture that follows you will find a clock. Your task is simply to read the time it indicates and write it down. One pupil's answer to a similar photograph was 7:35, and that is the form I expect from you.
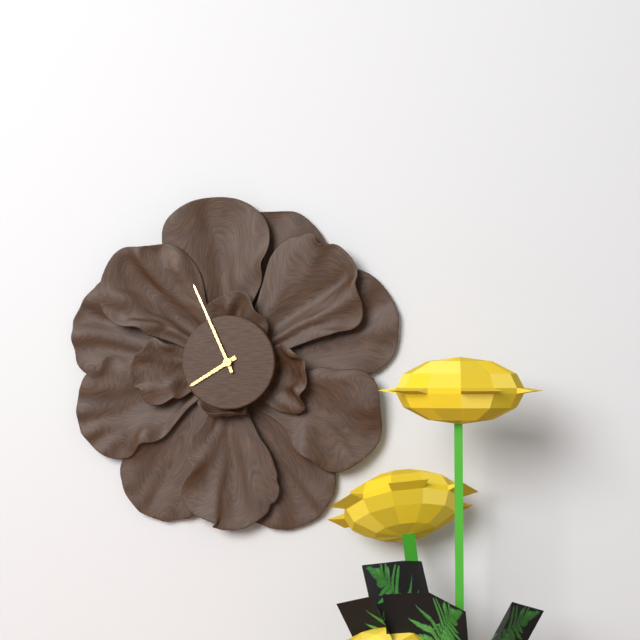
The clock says 7:56
